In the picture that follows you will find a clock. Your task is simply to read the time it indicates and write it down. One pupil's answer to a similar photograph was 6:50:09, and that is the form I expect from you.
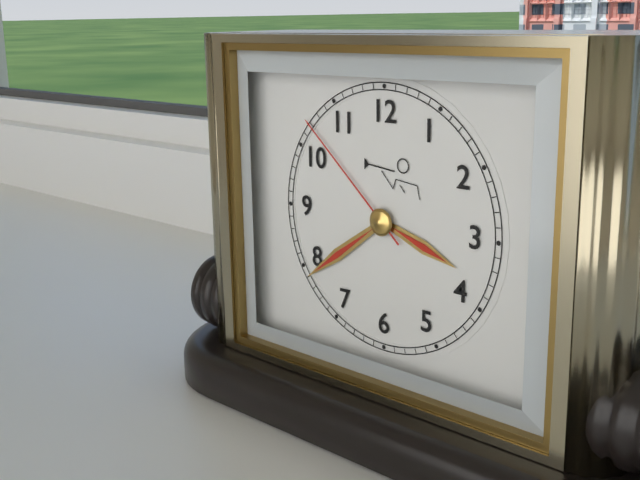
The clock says 3:39:52
